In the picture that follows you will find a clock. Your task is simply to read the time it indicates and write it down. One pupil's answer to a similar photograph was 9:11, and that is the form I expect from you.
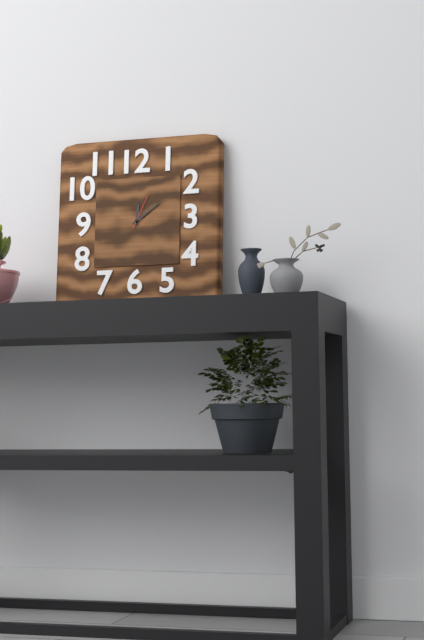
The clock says 12:09
